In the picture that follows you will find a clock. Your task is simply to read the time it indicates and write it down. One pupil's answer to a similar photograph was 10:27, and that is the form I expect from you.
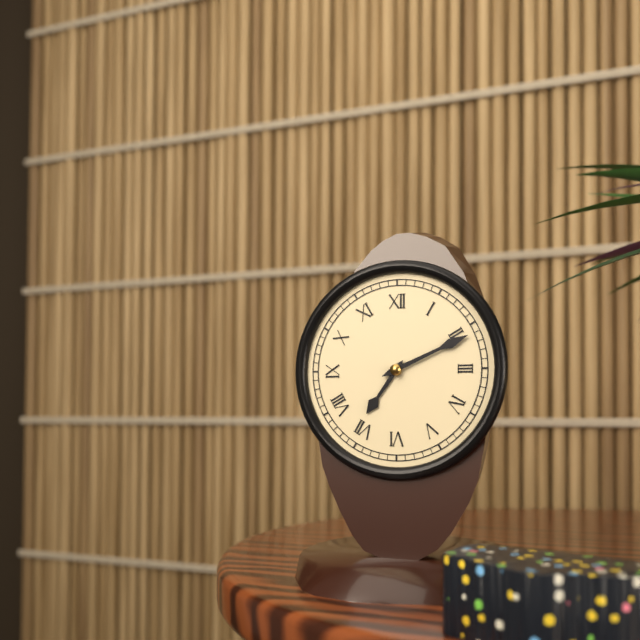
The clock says 7:11
